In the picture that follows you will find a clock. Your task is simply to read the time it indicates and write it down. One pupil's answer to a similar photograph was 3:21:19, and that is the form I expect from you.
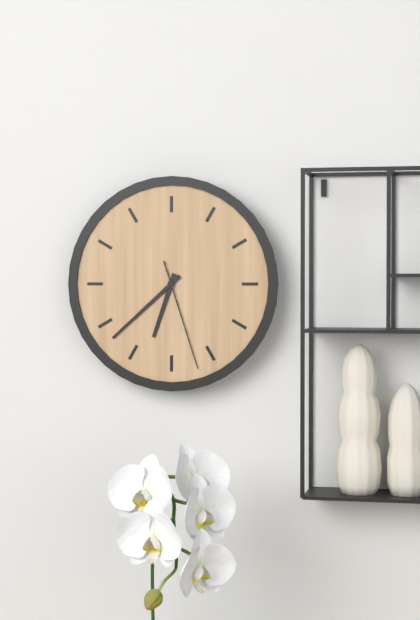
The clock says 6:38:27
